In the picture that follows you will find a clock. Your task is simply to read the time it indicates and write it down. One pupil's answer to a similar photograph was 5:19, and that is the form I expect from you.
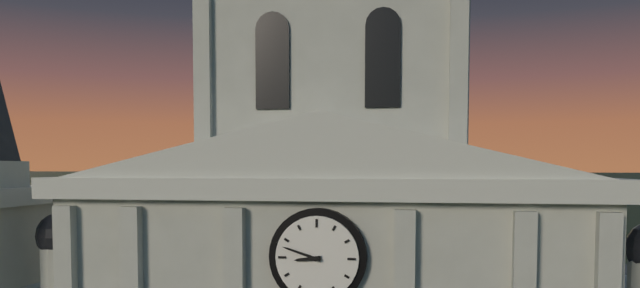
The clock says 8:48
